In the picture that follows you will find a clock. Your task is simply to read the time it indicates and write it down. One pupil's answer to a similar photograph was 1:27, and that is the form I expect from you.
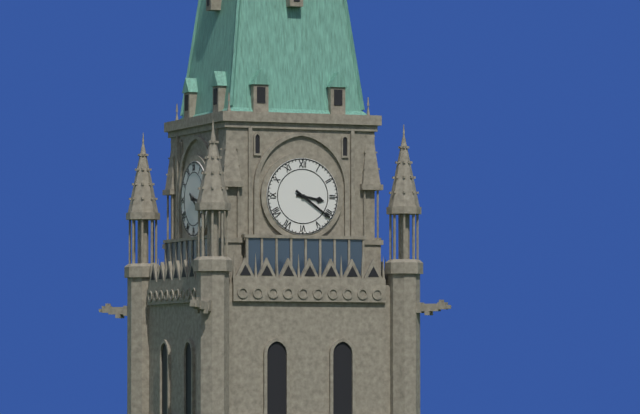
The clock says 3:21
